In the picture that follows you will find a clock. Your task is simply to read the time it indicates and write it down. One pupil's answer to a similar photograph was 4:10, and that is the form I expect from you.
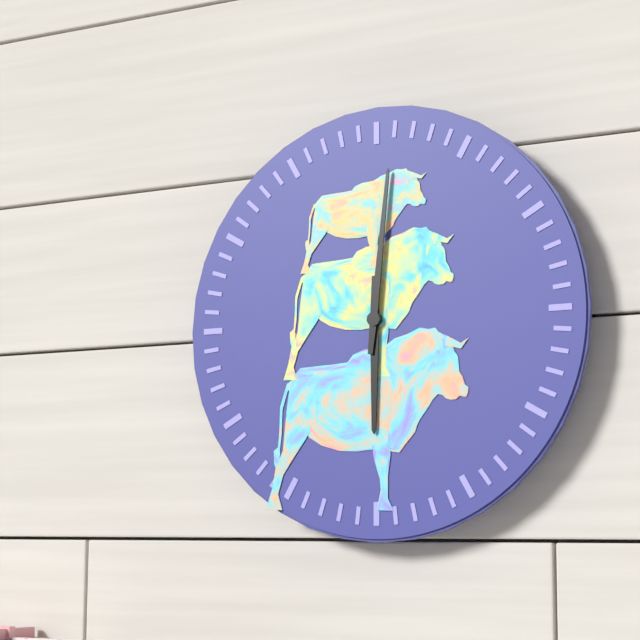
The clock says 6:01
